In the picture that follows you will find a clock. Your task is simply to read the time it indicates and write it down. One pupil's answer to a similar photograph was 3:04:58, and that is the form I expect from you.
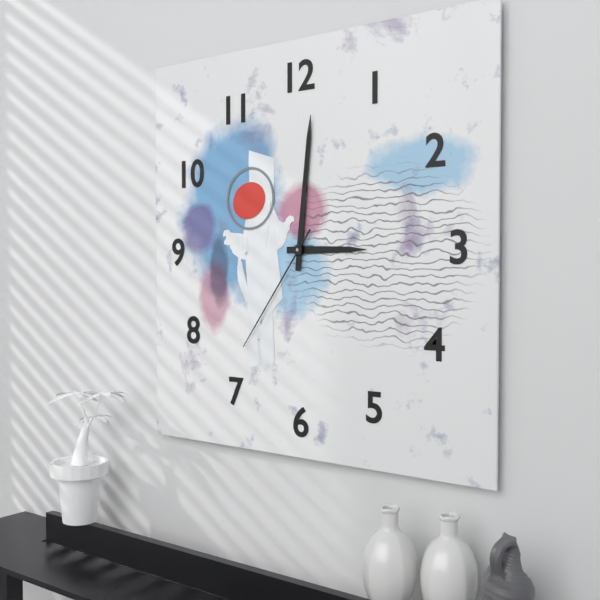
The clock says 3:01:36
